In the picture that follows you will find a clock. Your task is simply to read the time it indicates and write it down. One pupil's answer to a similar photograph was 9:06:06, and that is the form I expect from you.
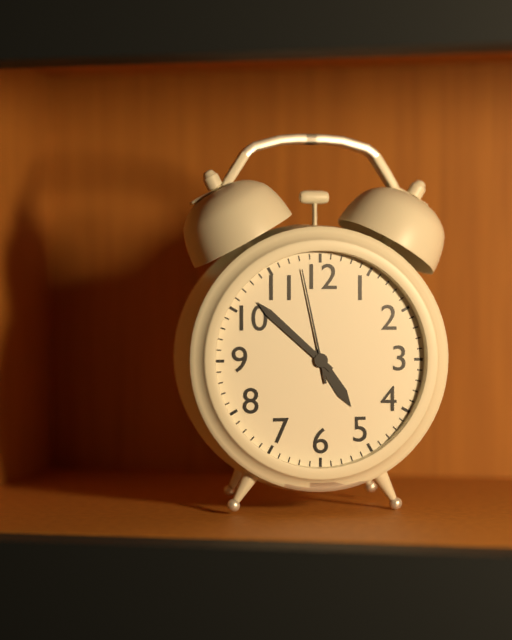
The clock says 4:52:58
